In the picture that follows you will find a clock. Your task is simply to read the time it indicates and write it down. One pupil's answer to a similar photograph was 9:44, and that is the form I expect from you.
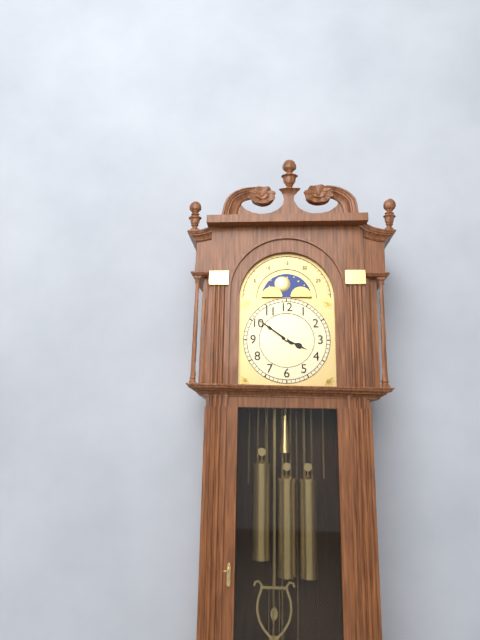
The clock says 3:51
